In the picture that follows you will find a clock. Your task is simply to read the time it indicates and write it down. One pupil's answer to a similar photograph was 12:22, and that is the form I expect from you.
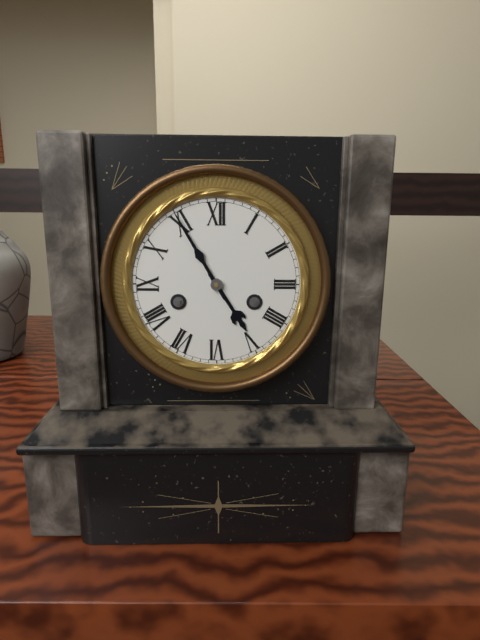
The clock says 4:55
